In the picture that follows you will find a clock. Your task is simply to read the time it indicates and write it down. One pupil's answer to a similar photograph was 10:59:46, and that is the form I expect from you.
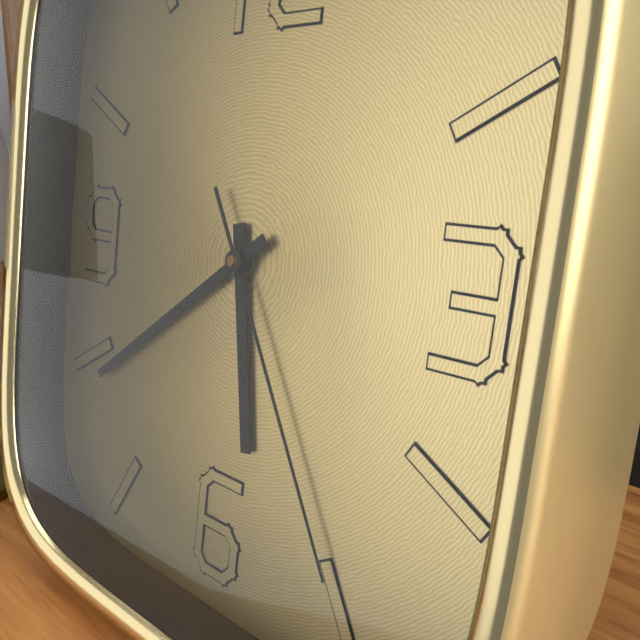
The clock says 5:39:25
